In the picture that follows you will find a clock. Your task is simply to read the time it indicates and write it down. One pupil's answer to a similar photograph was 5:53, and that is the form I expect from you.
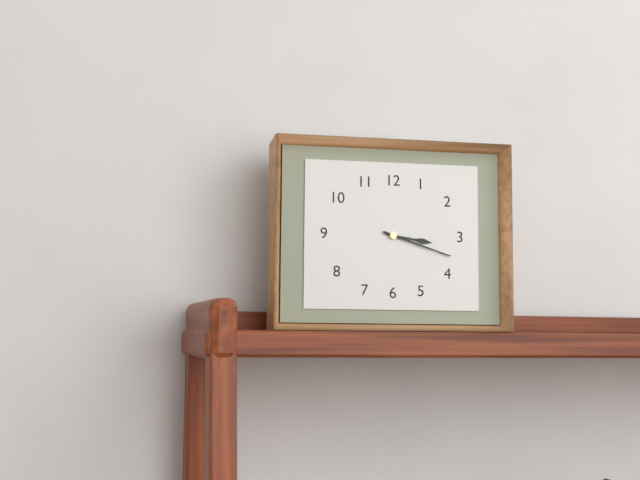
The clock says 3:18
